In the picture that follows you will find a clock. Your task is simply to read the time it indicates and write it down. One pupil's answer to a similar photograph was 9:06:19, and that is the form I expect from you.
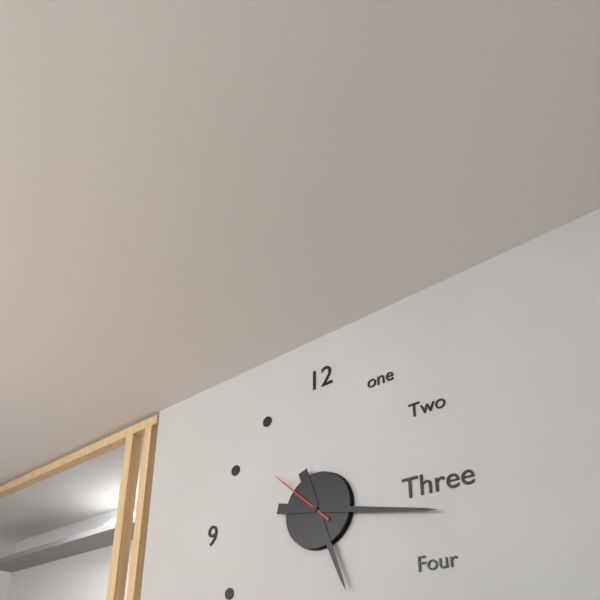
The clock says 5:17:52
